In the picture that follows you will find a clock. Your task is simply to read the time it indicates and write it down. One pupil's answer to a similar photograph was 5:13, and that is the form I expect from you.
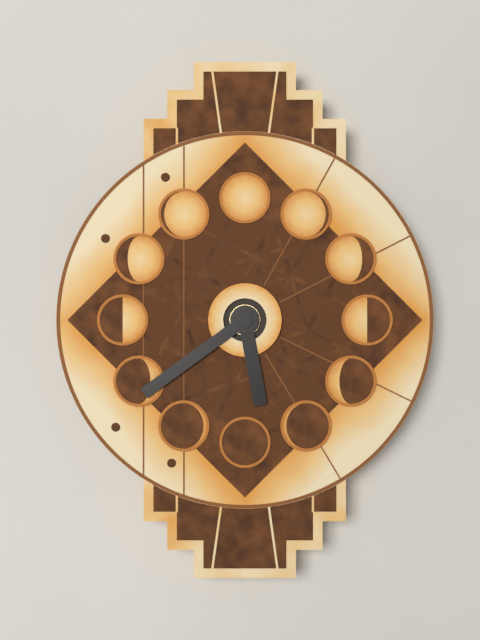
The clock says 5:39
